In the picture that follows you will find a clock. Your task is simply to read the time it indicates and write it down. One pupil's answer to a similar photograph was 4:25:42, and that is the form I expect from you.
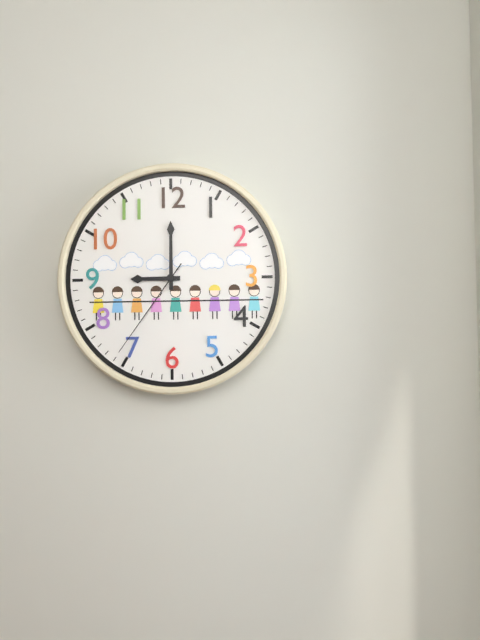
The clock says 9:00:36
